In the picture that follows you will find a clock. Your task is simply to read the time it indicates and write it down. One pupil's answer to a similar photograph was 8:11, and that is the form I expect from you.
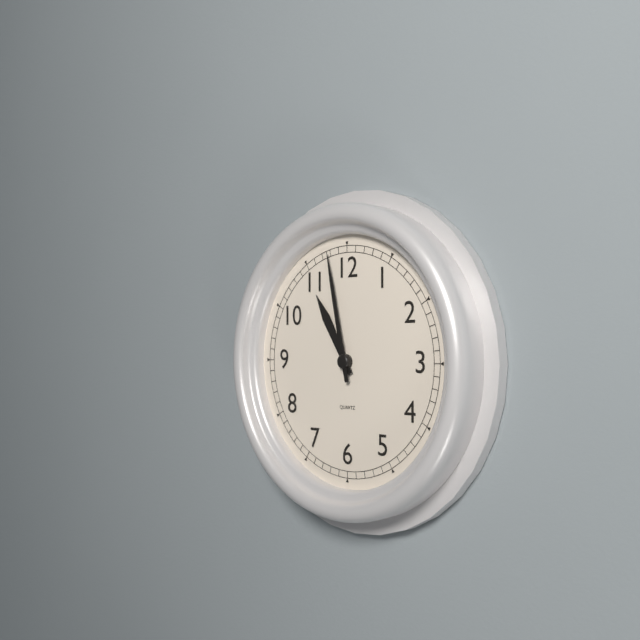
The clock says 10:58
